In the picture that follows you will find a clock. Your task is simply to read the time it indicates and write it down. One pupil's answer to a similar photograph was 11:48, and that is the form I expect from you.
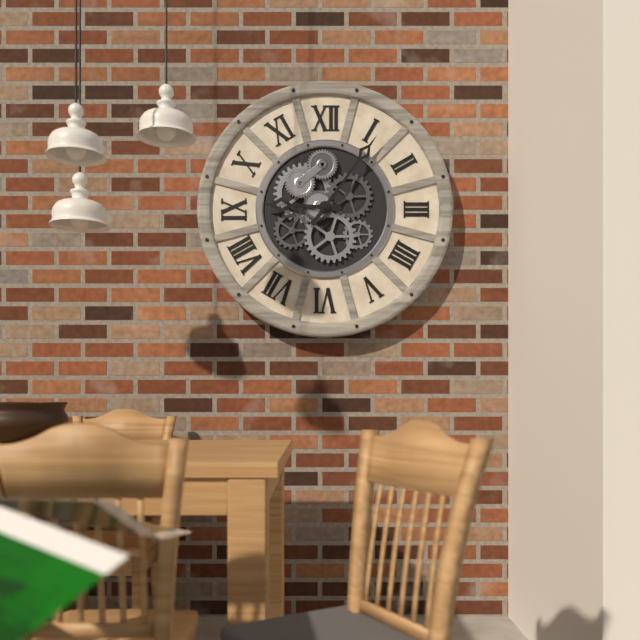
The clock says 9:06
